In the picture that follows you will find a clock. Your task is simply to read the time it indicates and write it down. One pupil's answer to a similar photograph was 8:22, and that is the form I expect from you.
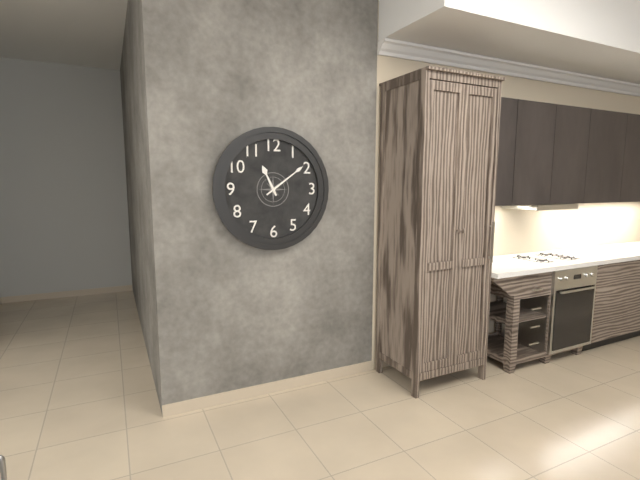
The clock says 11:09
